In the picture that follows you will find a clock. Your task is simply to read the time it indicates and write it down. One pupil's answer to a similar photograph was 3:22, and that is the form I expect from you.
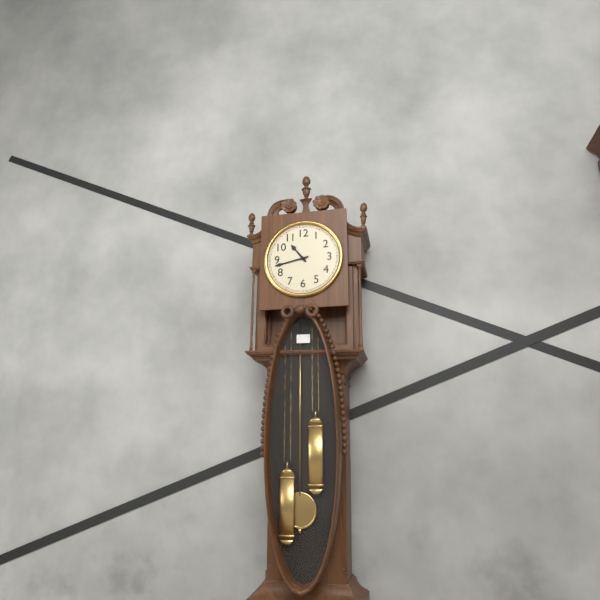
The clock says 10:43
